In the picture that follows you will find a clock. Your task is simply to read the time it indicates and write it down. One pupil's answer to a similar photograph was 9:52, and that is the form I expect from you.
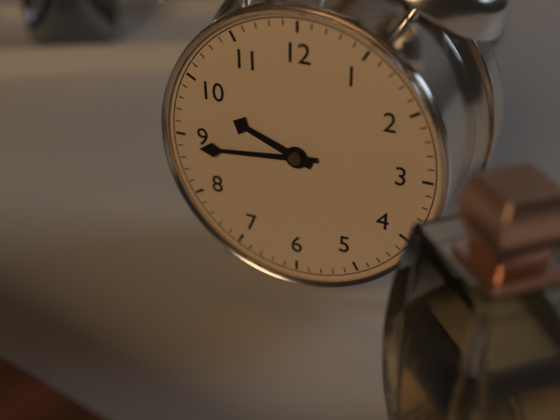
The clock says 9:44
